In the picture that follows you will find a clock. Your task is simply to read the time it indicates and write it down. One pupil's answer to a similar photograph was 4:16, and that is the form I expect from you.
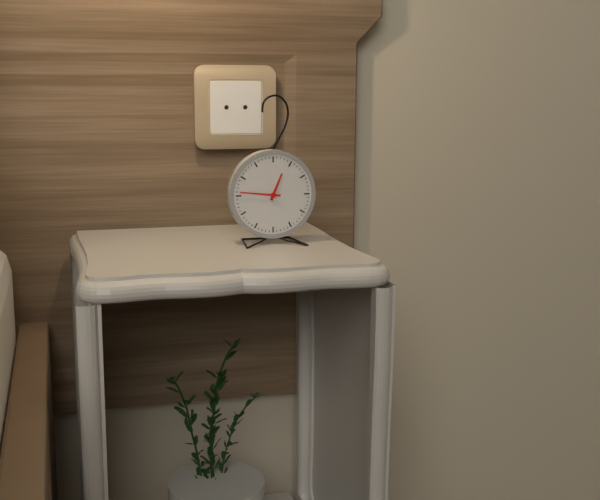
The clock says 12:46
